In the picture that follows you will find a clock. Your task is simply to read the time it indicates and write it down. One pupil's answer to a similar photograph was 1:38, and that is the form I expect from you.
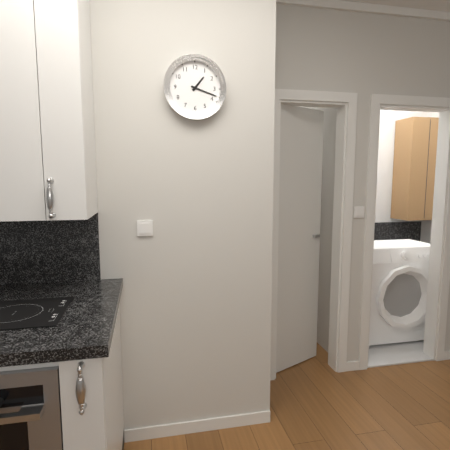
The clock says 1:18
